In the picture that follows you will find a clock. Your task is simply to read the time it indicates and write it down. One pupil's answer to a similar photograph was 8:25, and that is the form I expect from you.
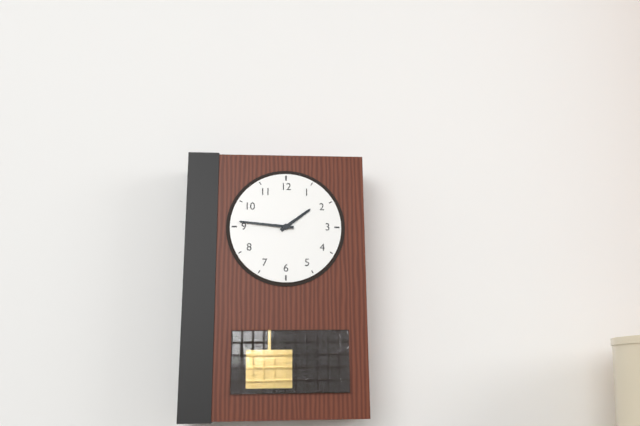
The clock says 1:46
